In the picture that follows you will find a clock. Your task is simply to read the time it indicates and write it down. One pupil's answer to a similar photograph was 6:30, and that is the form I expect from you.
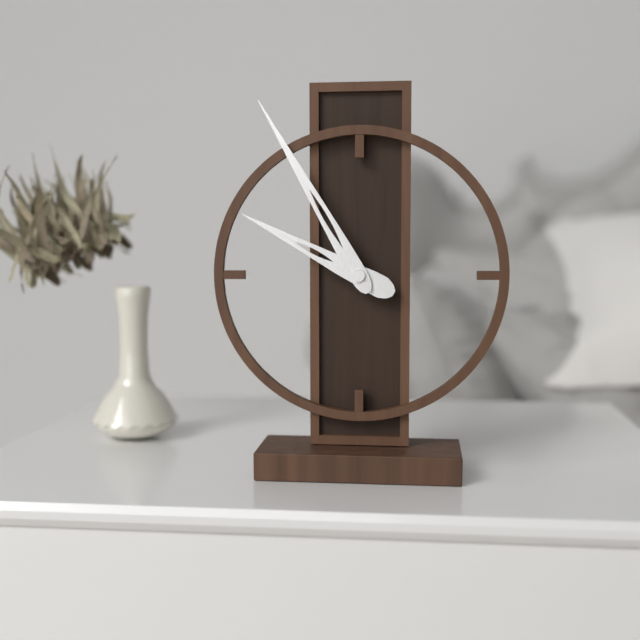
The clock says 9:55
